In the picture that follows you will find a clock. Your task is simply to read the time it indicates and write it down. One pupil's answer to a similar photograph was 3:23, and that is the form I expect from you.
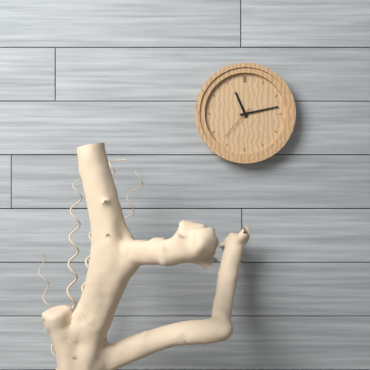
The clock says 11:13
